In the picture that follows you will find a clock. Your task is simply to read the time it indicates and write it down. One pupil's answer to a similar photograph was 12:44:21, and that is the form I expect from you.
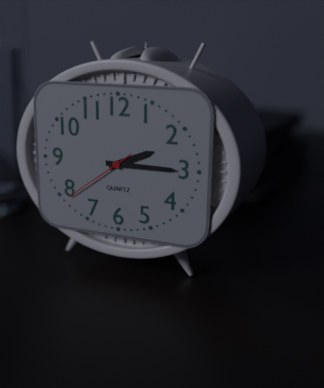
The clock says 2:15:39
